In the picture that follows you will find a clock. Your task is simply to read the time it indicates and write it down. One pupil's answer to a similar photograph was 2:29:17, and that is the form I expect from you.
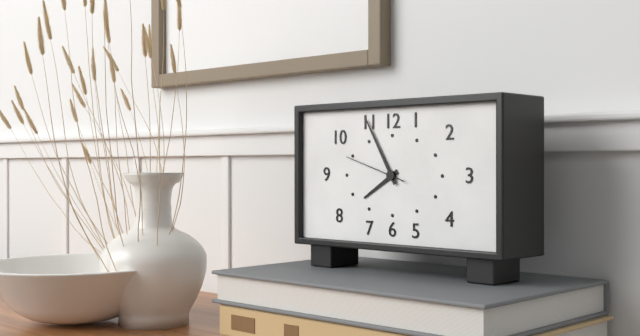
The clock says 7:55:48
